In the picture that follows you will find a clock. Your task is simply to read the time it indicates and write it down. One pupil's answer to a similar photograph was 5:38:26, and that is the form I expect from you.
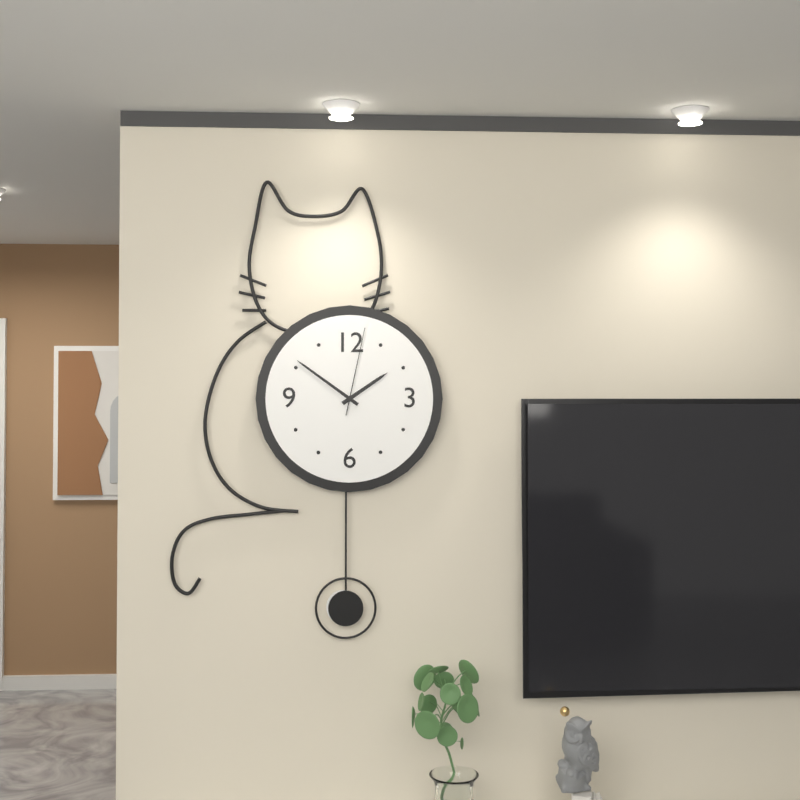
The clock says 1:51:02
